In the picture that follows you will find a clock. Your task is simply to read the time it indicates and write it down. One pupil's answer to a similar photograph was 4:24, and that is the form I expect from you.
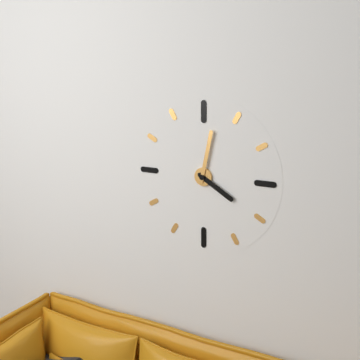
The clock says 4:02
